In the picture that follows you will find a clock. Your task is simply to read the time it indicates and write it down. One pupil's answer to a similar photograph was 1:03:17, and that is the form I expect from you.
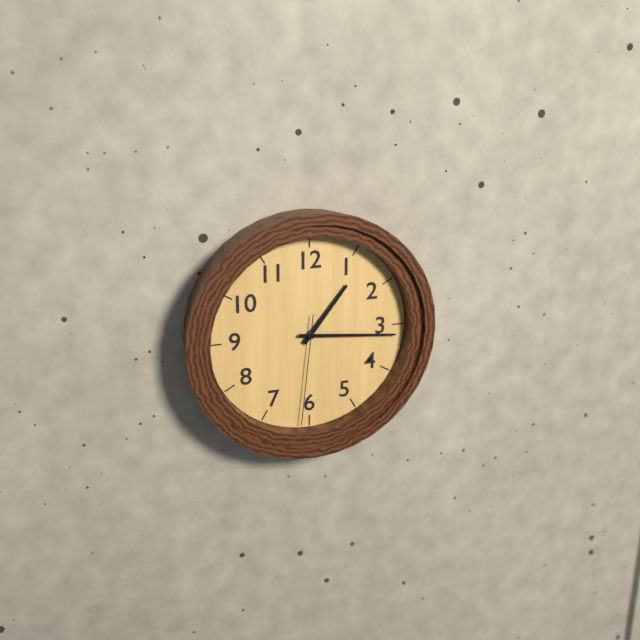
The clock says 1:16:31
